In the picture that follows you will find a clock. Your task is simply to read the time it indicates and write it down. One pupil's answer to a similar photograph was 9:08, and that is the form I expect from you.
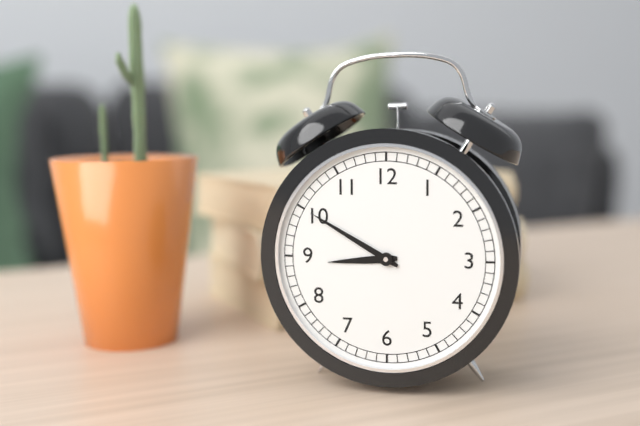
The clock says 8:50
